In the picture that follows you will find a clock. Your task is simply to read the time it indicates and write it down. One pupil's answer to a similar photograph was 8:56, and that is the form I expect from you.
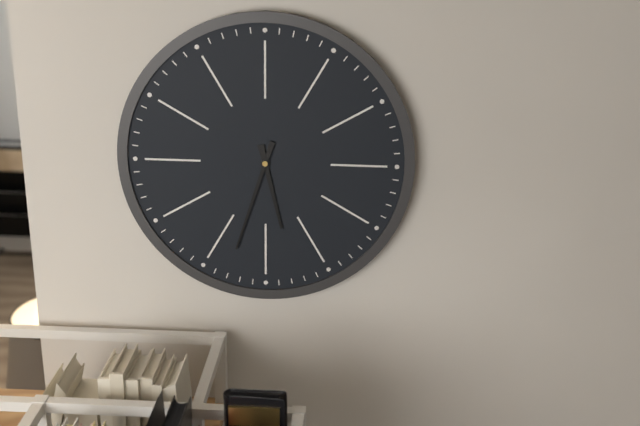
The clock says 5:33
